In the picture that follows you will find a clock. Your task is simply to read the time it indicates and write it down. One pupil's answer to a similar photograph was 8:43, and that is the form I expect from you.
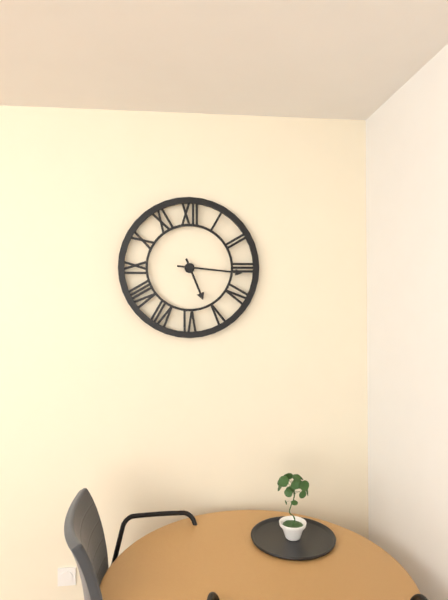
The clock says 5:16
